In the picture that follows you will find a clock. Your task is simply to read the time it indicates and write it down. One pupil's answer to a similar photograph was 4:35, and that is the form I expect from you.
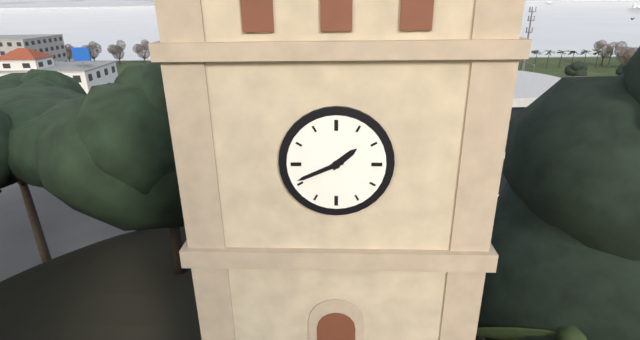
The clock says 1:41
